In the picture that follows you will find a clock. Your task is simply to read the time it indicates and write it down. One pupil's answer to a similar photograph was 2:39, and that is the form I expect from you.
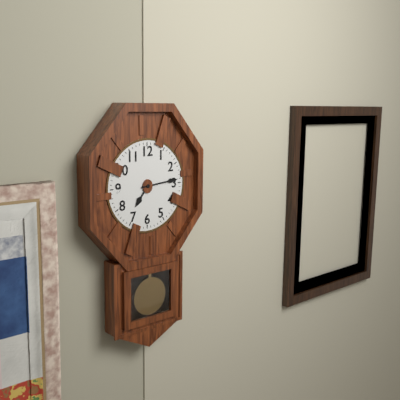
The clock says 7:14
